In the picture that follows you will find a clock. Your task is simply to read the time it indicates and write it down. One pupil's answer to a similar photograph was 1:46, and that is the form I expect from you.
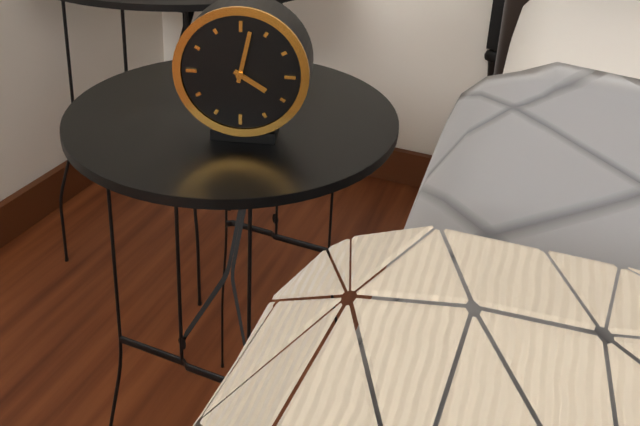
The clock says 4:02
